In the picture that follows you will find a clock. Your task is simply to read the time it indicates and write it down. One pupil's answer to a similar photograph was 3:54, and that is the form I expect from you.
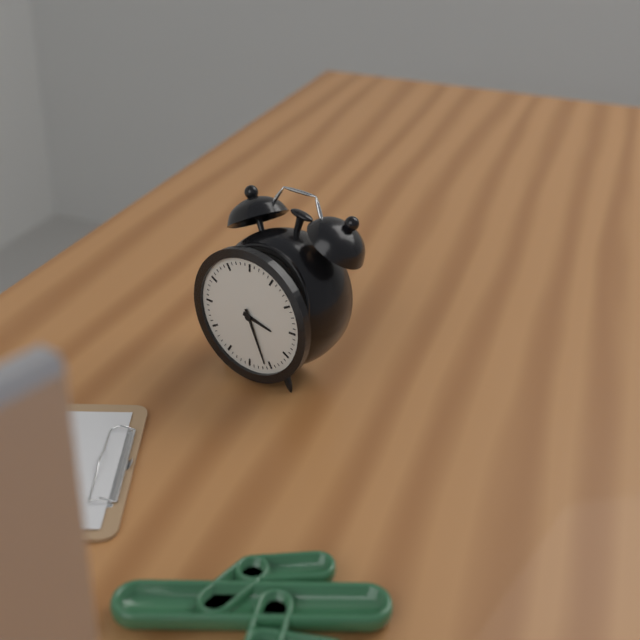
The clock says 3:26
